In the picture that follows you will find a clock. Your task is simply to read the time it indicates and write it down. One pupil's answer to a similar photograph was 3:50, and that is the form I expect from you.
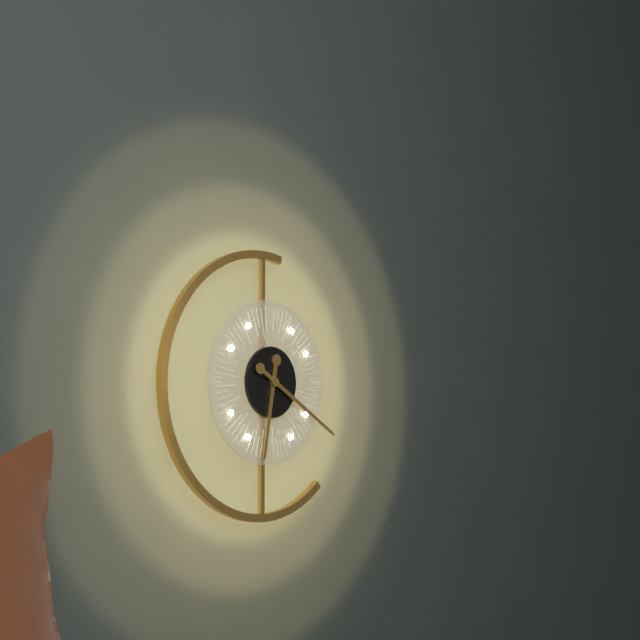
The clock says 6:20
